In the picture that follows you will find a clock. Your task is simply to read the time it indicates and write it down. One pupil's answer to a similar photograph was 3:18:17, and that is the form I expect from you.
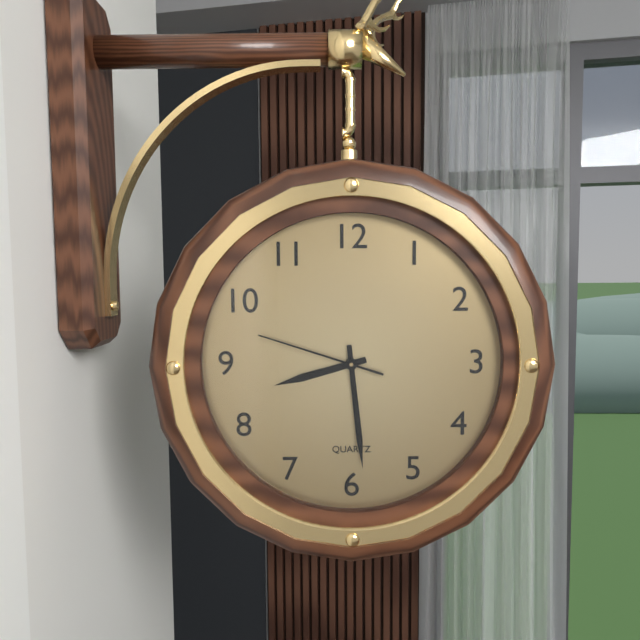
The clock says 8:29:48
